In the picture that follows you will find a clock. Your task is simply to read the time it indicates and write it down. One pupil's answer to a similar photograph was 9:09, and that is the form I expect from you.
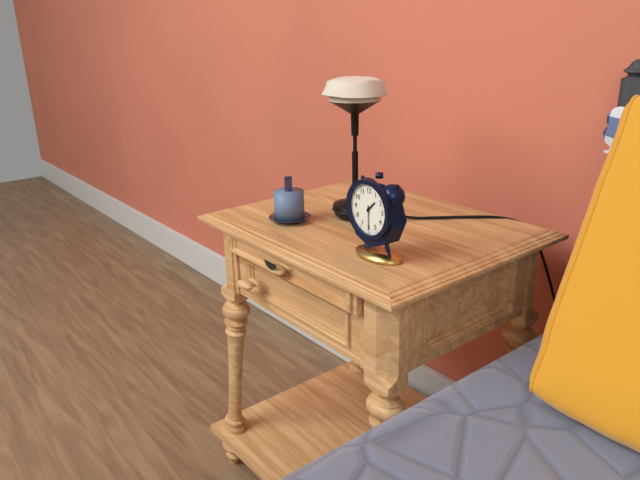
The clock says 1:30
